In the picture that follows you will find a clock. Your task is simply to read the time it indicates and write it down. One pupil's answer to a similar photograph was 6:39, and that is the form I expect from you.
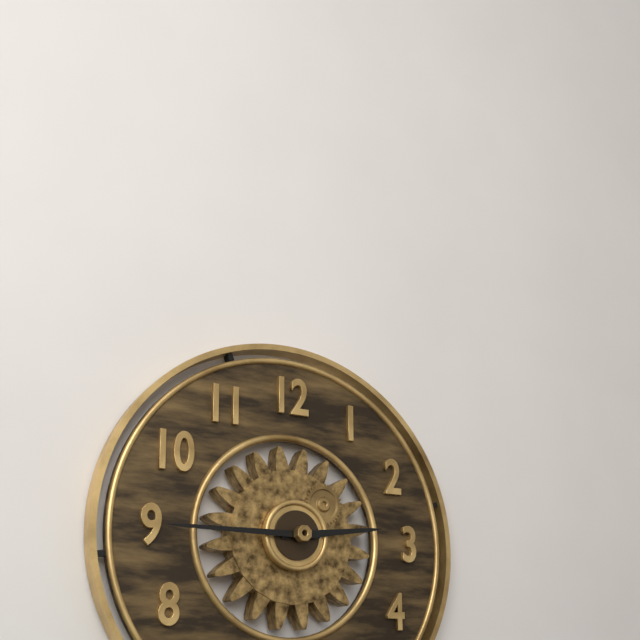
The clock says 2:45
